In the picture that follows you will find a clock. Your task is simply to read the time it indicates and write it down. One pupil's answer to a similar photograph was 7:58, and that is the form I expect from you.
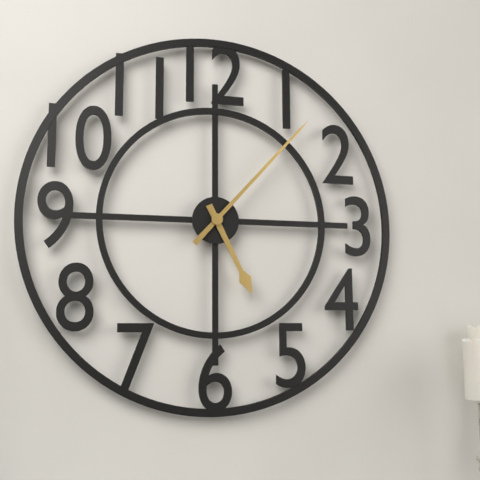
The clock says 5:07
